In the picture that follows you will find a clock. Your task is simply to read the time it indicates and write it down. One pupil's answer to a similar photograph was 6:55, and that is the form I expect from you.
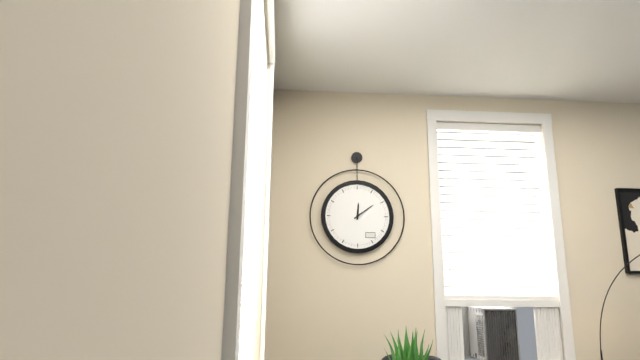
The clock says 12:09
